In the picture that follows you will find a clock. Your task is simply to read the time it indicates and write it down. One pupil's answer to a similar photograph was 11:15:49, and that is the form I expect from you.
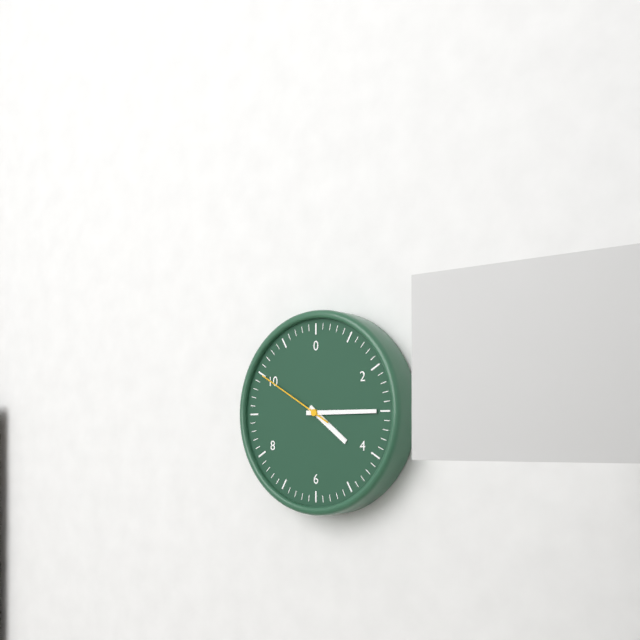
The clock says 4:15:50
